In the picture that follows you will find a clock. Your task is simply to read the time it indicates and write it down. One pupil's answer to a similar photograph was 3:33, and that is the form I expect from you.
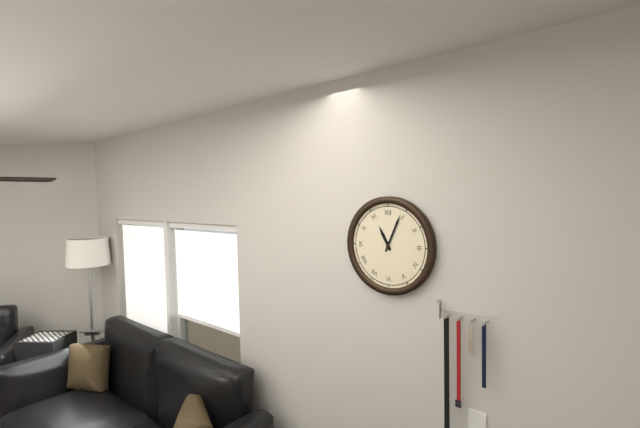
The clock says 11:04
